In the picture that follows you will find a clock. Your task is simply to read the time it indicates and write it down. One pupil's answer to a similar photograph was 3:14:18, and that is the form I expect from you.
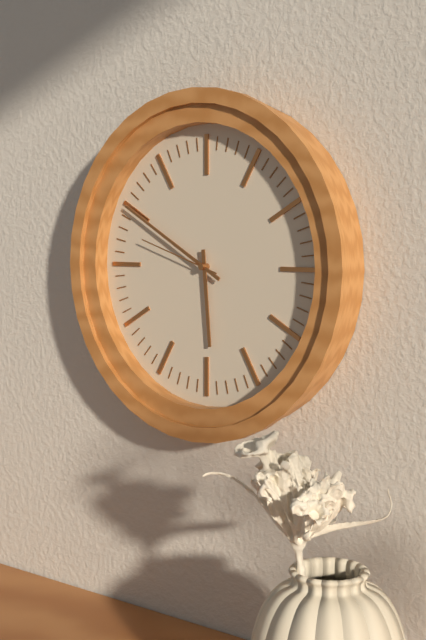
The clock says 5:50:48
